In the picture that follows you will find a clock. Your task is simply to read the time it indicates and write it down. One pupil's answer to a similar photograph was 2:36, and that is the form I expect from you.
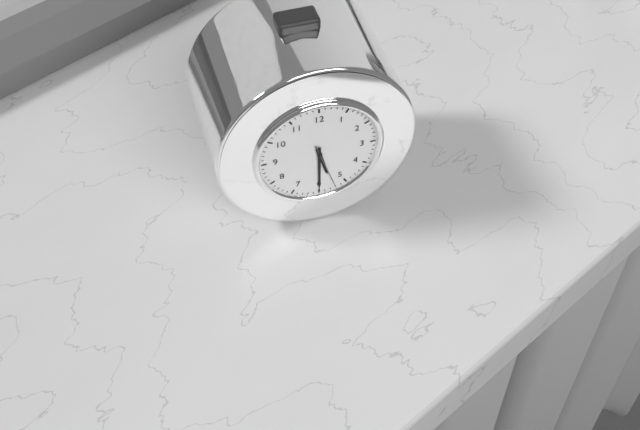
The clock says 5:30
